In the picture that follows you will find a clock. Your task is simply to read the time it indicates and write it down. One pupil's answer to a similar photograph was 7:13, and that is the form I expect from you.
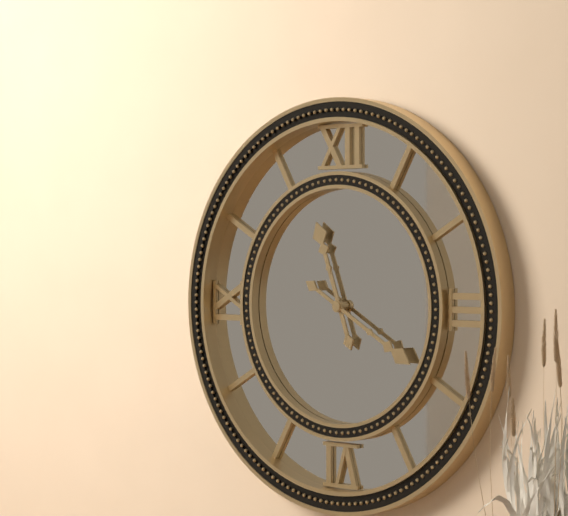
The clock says 11:20
